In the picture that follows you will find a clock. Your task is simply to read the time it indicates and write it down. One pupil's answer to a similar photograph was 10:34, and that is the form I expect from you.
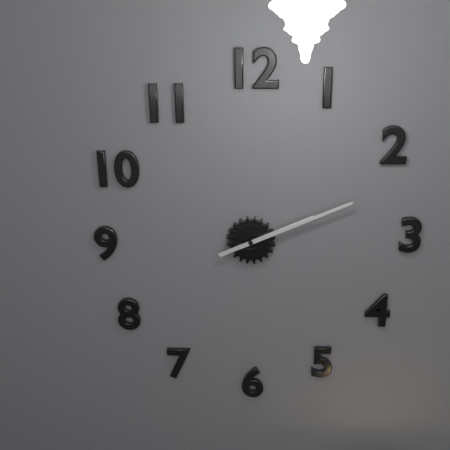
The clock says 2:11
